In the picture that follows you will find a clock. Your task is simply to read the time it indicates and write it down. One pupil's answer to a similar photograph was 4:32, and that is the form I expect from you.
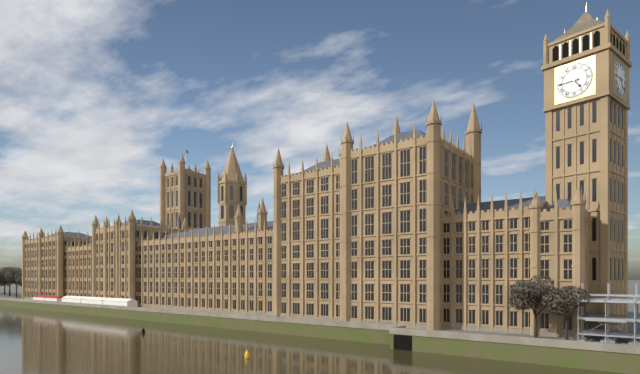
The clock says 4:45
